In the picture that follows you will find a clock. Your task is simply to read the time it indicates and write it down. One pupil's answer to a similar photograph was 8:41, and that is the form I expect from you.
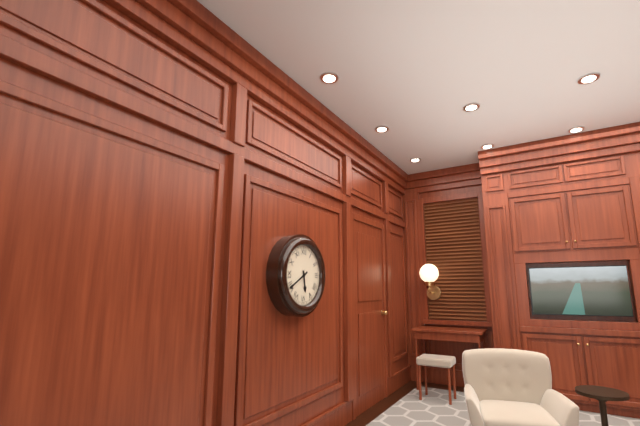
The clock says 5:40
